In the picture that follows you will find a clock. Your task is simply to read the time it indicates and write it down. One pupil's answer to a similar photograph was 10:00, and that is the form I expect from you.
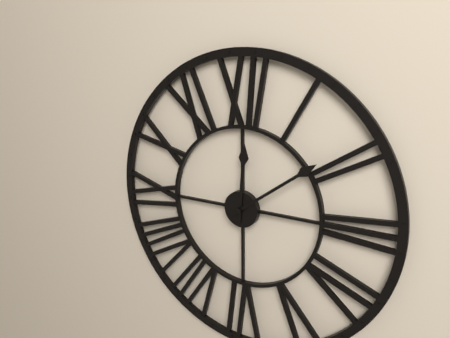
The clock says 12:09
